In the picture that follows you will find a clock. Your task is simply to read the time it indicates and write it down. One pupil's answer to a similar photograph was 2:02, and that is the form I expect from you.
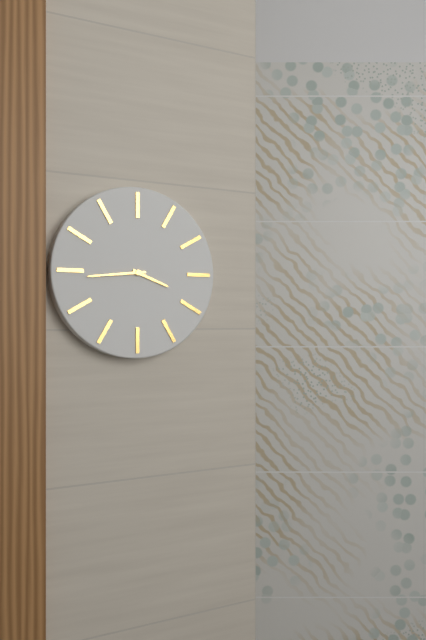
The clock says 3:44
